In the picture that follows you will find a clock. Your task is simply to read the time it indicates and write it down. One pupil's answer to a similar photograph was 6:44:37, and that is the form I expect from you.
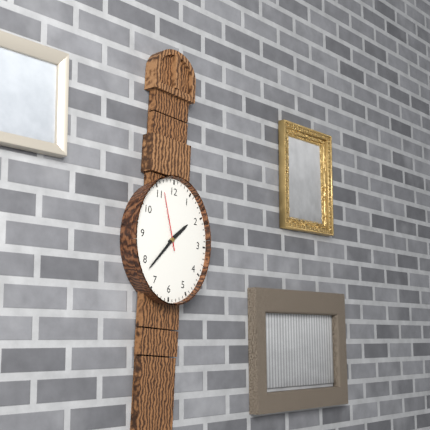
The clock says 1:37:57
